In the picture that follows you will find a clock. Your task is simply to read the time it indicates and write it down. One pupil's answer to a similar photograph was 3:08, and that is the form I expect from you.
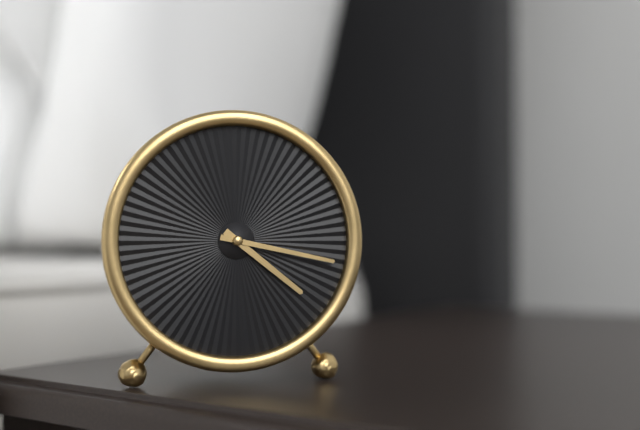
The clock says 4:17
